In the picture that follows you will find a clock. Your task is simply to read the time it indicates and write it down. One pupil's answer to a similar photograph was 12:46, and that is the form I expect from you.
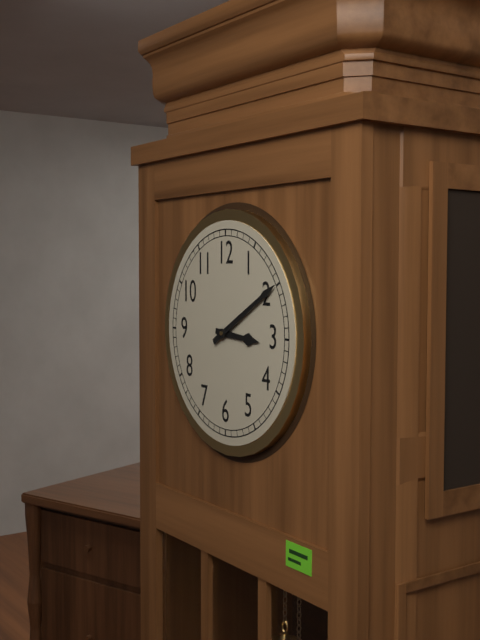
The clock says 3:10
